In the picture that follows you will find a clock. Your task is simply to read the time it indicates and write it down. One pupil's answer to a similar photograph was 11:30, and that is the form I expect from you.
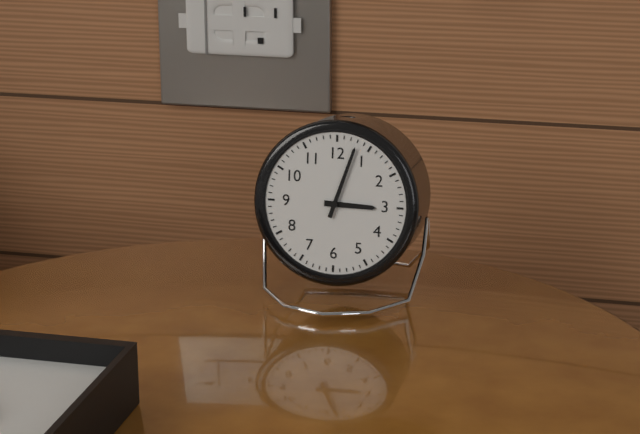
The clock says 3:03
